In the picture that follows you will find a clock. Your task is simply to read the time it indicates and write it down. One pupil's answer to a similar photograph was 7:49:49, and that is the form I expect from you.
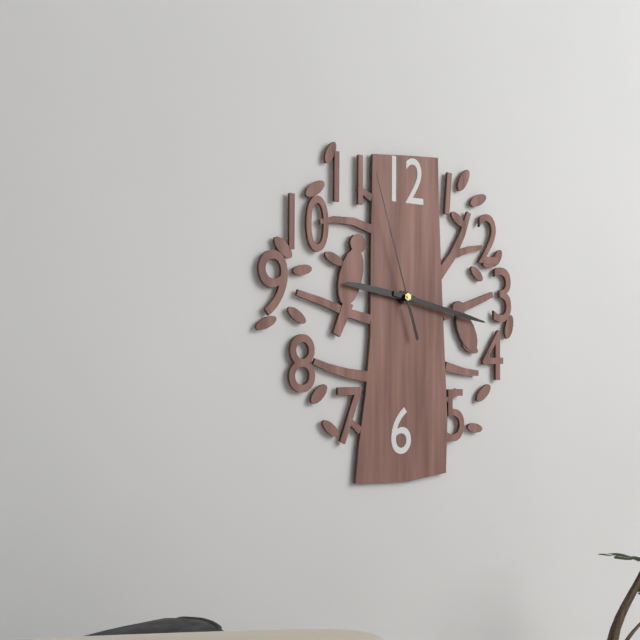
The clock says 9:17:57
